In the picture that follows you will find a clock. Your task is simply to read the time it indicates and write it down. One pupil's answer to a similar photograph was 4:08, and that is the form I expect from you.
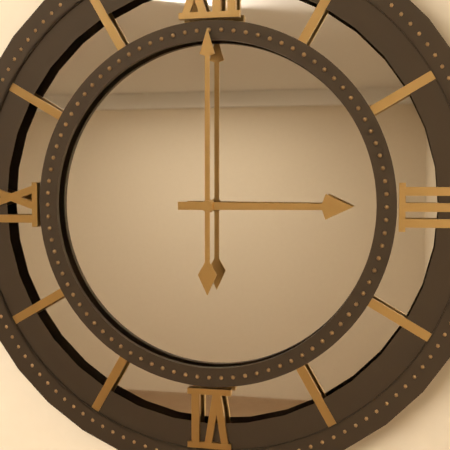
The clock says 3:00
